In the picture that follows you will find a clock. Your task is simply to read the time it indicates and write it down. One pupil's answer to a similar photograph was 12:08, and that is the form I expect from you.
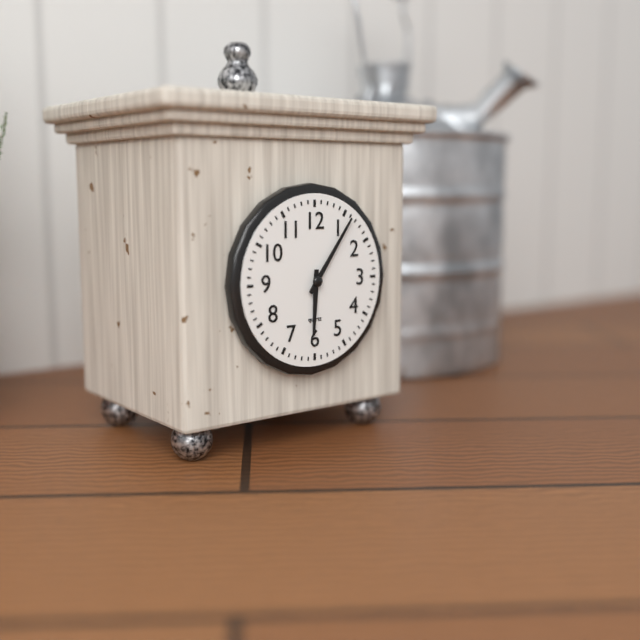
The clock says 6:06
